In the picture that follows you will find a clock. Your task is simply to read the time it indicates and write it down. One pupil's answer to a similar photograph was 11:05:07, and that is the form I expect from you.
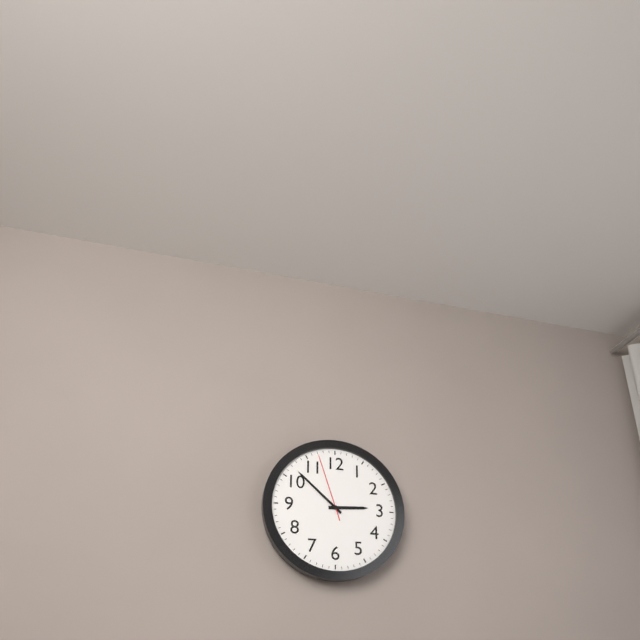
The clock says 2:52:57
